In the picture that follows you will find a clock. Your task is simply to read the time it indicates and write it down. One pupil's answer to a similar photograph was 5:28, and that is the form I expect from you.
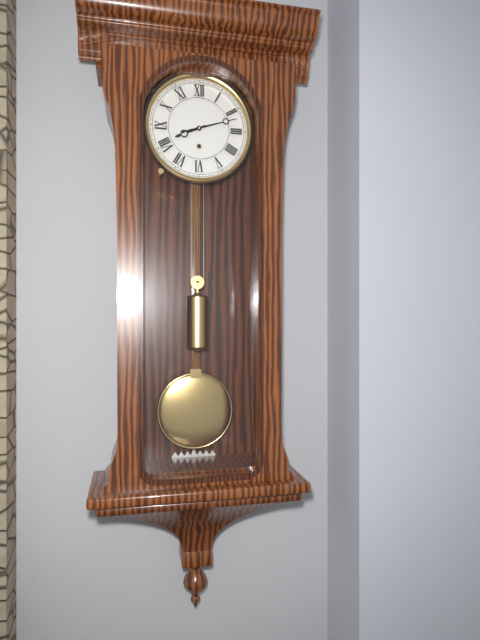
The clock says 8:12
